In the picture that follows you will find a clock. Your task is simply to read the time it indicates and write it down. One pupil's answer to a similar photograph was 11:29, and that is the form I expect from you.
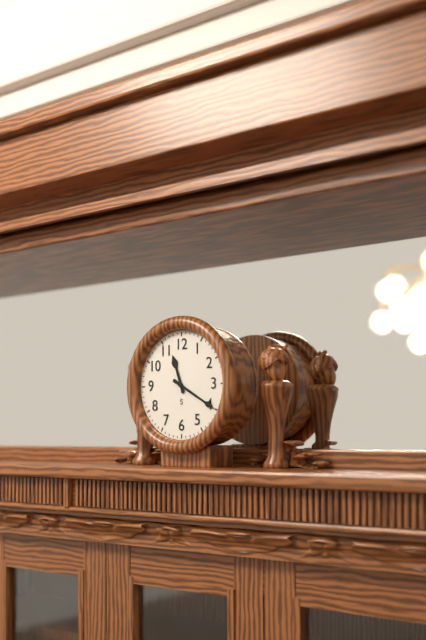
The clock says 11:20
